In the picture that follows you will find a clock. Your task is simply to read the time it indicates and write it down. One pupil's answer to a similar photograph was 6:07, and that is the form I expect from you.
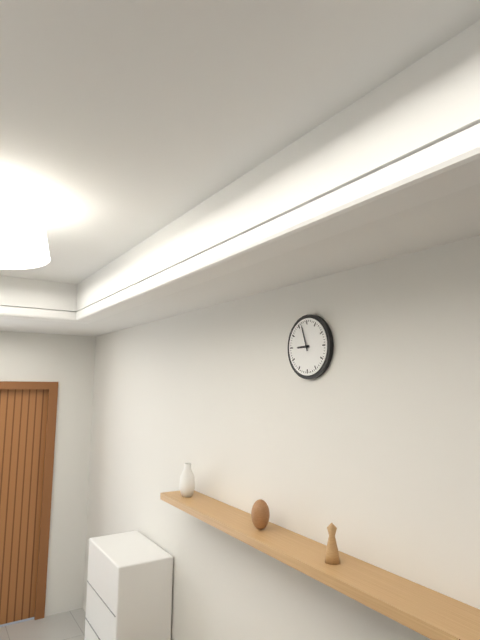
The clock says 8:57
